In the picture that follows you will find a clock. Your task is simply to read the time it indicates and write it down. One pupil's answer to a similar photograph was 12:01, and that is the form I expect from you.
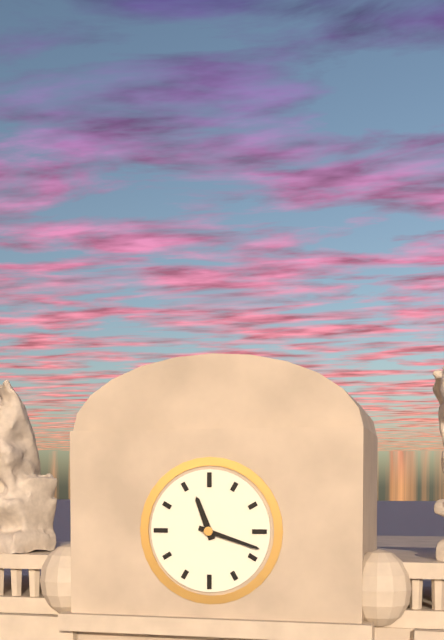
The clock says 11:18
